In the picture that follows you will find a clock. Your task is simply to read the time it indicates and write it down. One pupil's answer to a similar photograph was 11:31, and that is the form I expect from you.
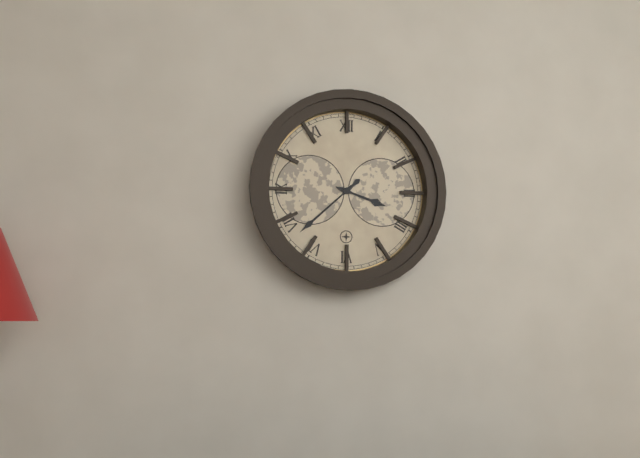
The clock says 3:38
